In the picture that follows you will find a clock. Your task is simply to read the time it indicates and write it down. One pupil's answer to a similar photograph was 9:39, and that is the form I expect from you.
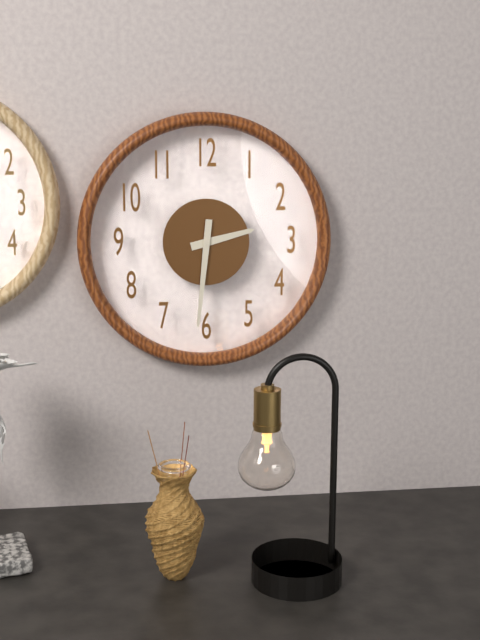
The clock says 2:31
